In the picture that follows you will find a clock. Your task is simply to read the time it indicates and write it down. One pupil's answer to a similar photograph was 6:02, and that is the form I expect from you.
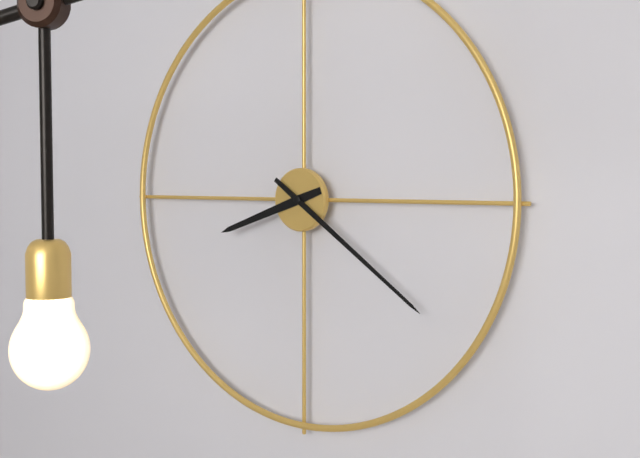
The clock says 8:21
